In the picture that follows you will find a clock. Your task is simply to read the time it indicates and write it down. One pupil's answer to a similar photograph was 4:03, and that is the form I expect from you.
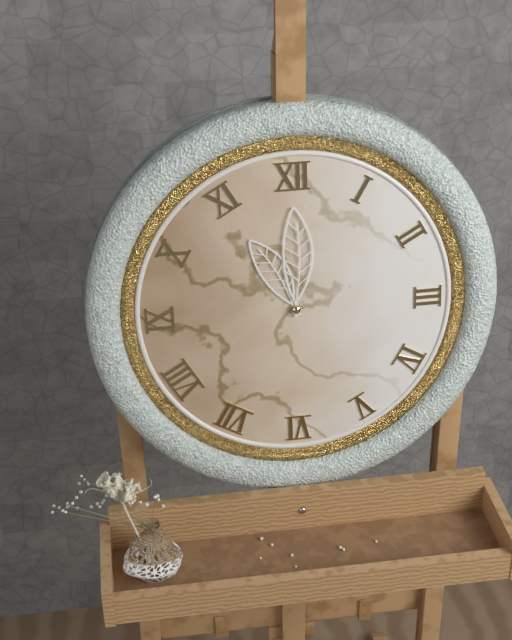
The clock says 11:00
